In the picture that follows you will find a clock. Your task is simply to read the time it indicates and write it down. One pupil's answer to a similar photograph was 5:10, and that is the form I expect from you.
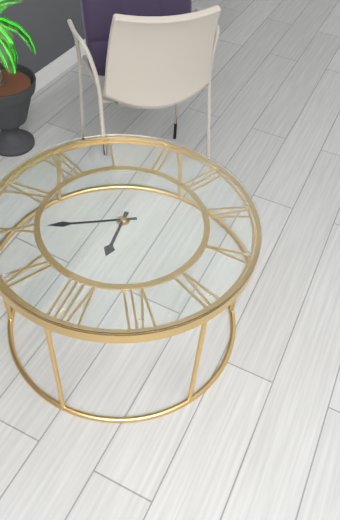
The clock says 7:50
